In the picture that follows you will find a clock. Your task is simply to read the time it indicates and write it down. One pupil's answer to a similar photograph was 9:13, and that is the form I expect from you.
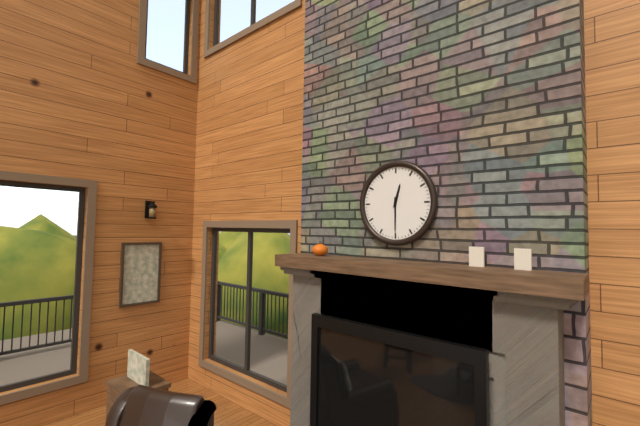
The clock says 12:30
